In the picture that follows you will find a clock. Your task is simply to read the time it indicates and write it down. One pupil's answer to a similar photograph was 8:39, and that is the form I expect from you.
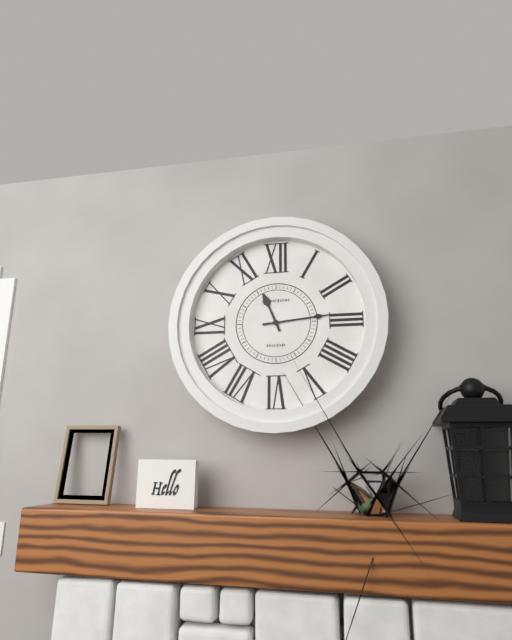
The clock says 11:14
